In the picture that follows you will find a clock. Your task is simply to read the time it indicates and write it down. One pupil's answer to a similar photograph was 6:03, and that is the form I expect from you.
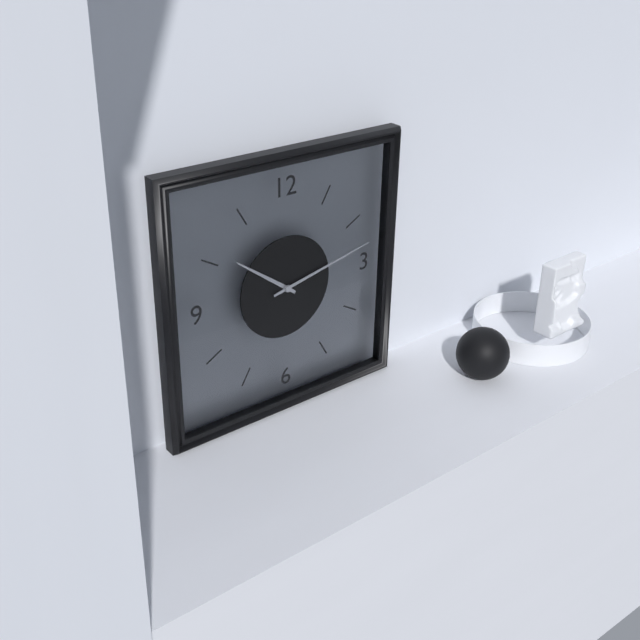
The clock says 10:13
